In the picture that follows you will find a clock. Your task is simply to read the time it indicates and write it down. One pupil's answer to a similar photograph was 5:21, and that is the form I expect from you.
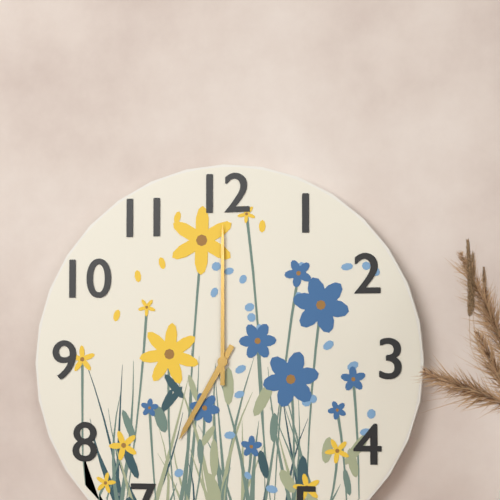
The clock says 7:00
